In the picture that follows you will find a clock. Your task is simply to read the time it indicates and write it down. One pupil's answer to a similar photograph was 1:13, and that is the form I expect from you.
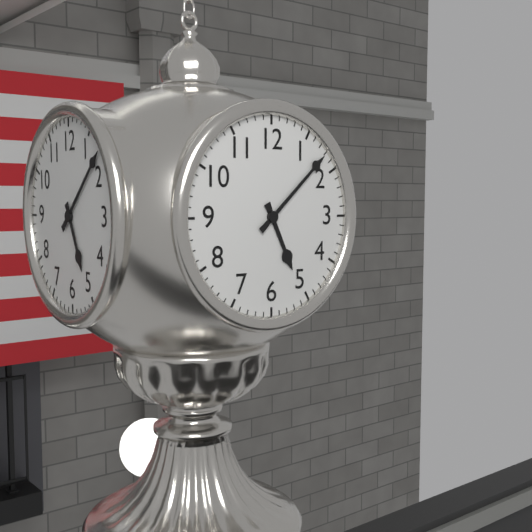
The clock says 5:08
